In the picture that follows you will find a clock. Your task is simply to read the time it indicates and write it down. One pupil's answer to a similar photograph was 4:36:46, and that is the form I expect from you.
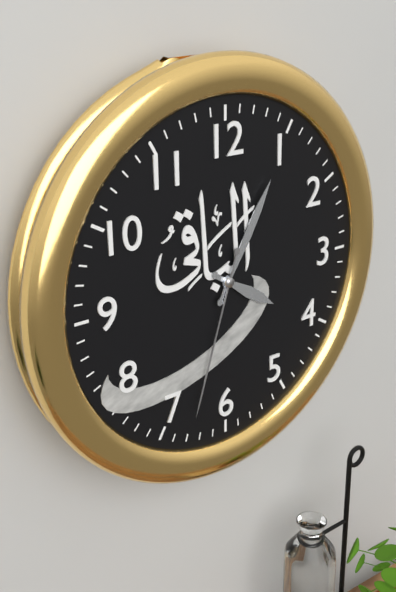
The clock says 4:05:33
